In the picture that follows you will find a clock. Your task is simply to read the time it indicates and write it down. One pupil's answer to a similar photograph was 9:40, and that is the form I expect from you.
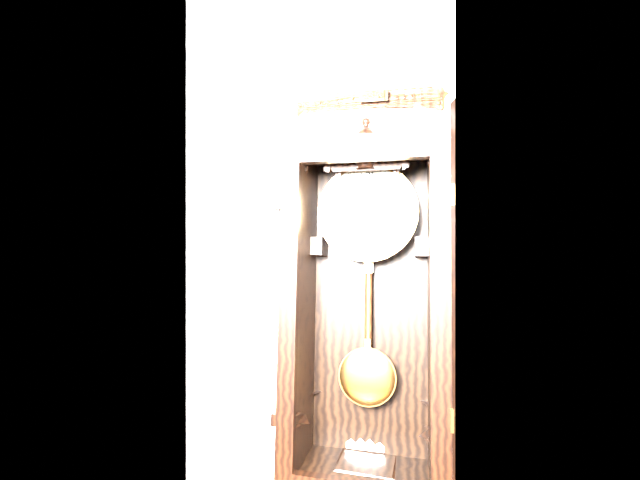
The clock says 3:34
